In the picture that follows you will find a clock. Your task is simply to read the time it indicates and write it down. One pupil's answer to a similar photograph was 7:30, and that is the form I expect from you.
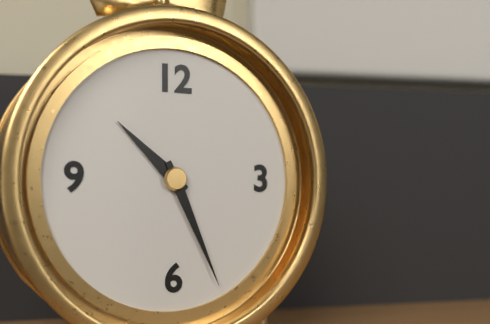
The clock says 10:26
